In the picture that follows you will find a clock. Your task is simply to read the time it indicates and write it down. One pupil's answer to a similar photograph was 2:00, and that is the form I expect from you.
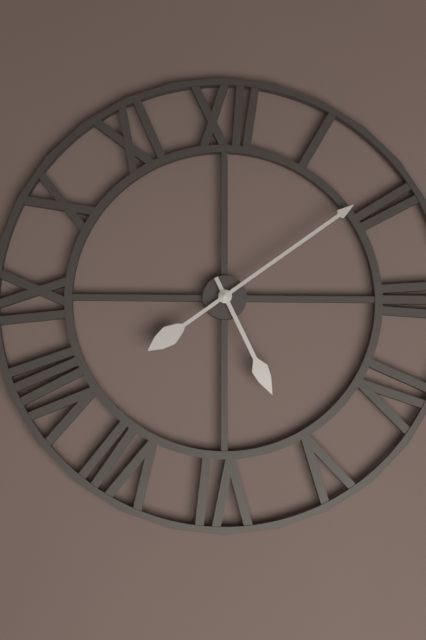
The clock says 5:09
